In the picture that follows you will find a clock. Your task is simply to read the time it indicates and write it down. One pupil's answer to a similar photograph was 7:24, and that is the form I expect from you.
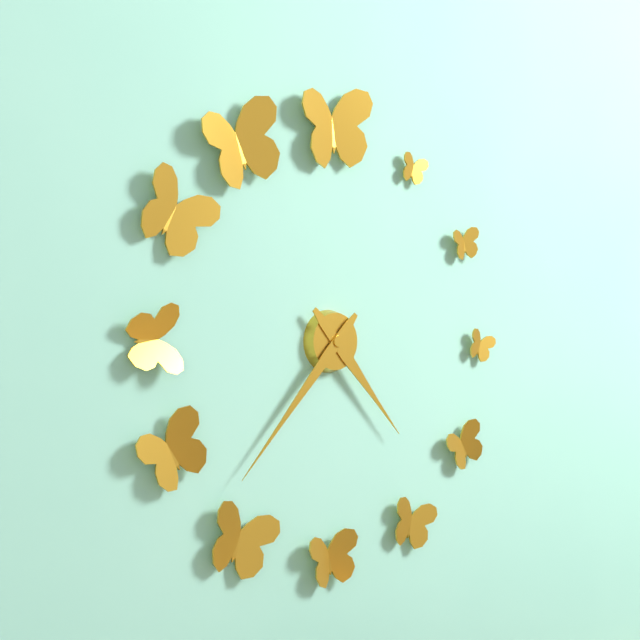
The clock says 4:37
